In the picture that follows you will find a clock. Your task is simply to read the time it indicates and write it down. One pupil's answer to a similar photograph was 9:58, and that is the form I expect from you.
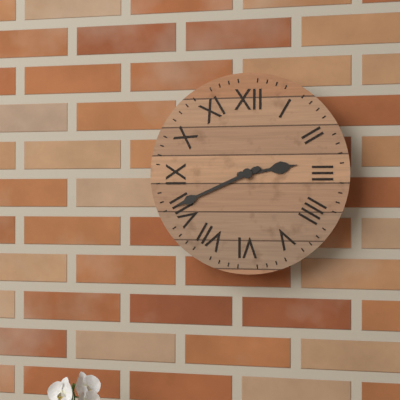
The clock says 2:41
